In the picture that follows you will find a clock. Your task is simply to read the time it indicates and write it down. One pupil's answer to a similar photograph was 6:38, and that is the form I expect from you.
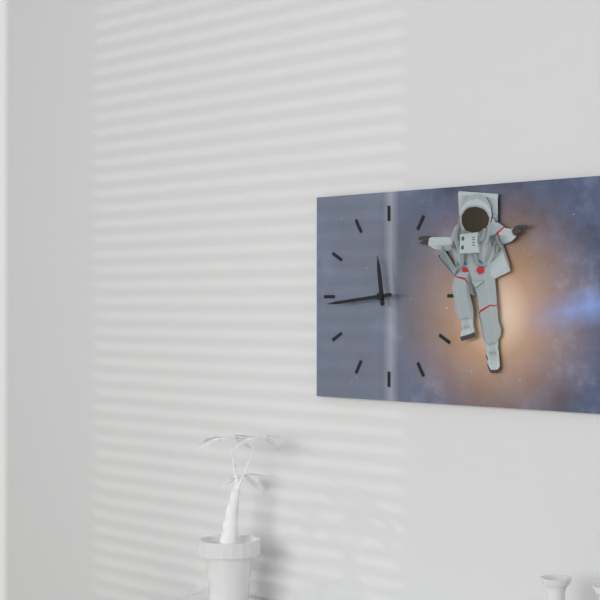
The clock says 11:44
